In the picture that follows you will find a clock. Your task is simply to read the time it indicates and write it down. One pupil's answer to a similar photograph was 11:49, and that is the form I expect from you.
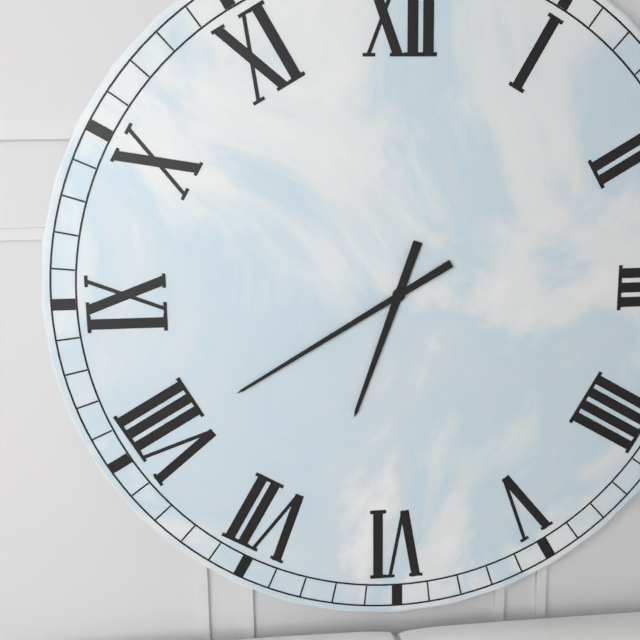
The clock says 6:40
